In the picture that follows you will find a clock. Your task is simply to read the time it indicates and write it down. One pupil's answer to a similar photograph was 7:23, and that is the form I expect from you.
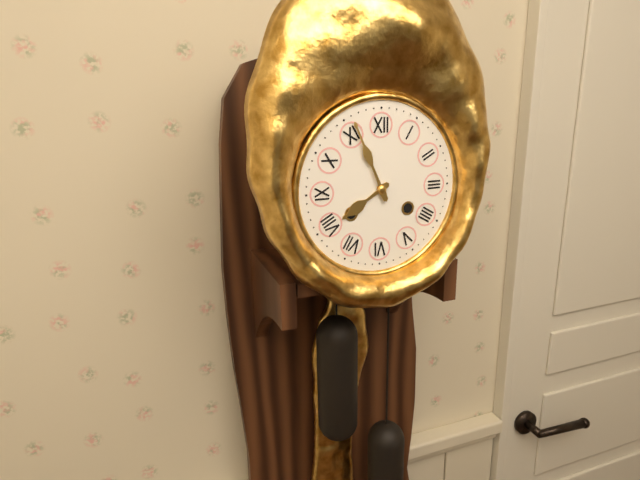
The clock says 7:56
